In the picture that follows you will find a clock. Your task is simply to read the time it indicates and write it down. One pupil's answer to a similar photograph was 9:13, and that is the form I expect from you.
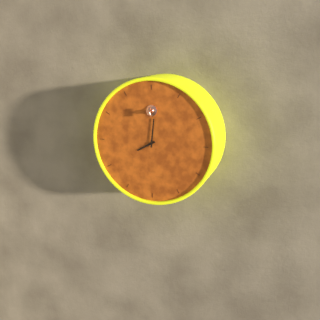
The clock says 8:01
